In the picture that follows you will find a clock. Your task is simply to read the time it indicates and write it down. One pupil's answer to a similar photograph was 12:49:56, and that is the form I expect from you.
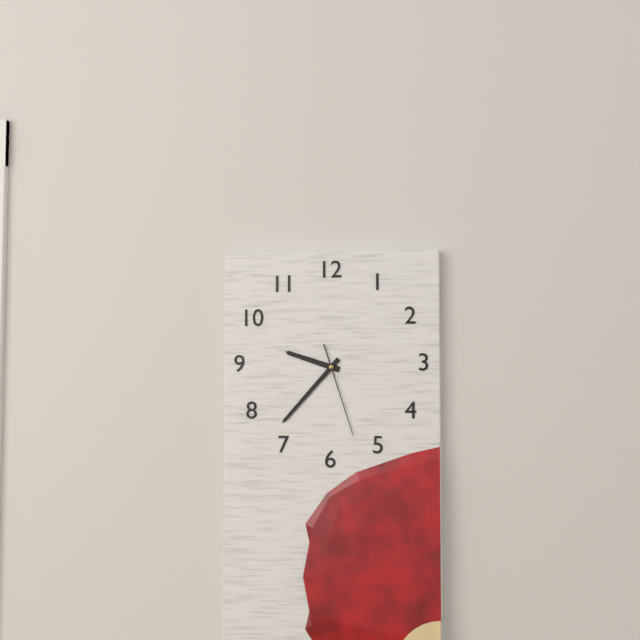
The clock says 9:37:27
